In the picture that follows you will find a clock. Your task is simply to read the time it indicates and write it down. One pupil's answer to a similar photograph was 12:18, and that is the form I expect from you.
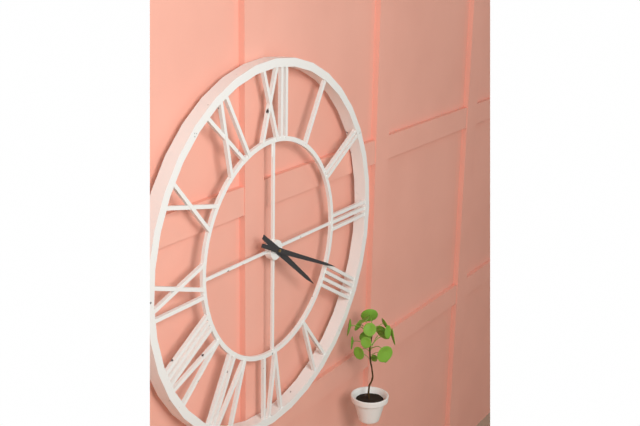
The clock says 4:19
